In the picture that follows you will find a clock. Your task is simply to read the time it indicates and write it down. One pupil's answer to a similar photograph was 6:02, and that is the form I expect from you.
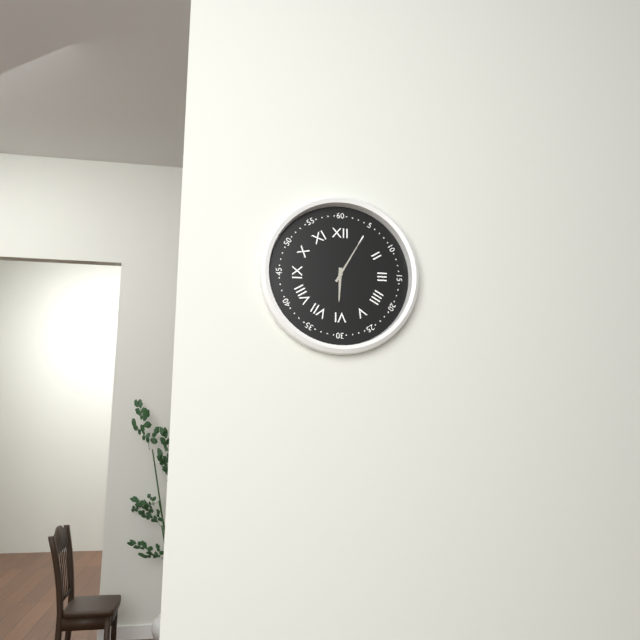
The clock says 6:05
